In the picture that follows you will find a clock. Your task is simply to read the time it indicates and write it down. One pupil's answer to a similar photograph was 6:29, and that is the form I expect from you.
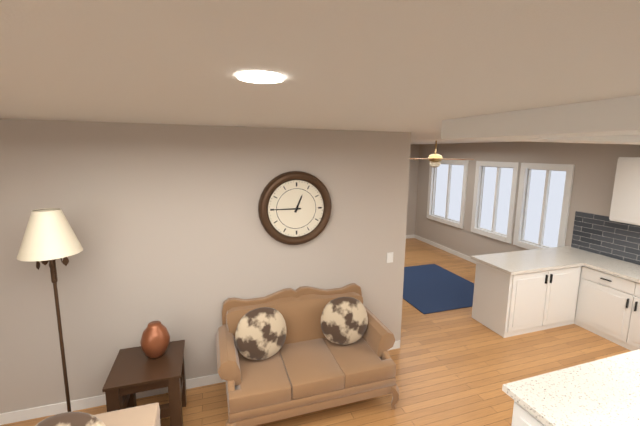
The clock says 12:45
